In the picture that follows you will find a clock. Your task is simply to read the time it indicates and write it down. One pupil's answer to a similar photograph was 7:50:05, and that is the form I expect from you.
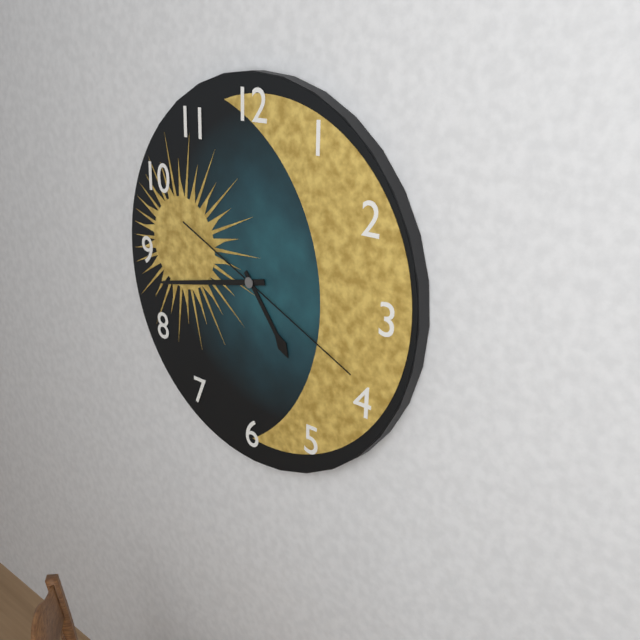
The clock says 4:43:19
